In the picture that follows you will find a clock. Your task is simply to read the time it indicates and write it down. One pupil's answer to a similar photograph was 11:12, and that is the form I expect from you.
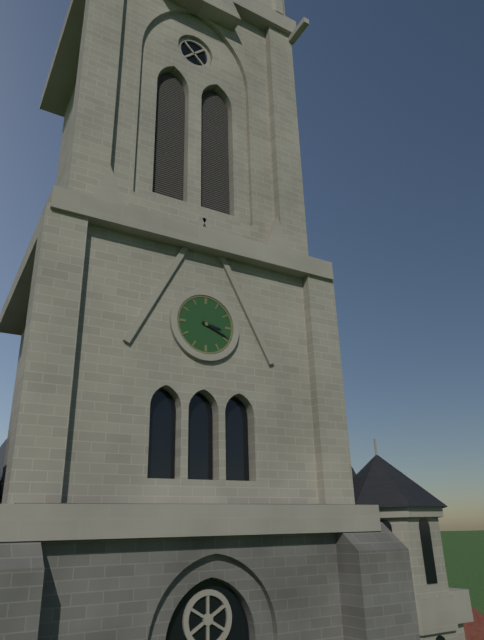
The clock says 3:19
